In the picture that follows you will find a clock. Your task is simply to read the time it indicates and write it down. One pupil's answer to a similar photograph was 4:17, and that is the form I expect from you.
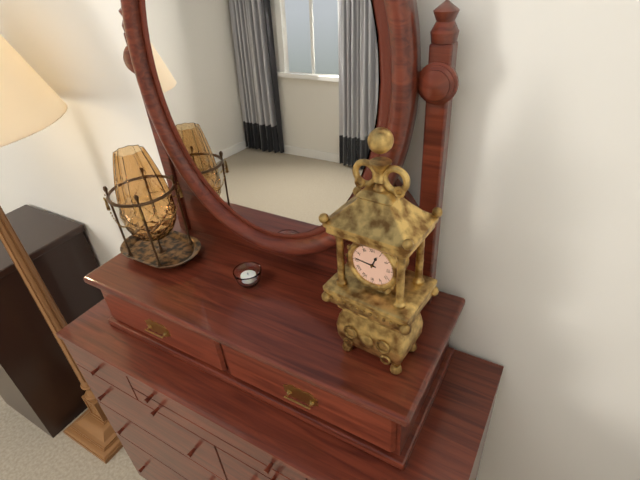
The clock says 12:46
